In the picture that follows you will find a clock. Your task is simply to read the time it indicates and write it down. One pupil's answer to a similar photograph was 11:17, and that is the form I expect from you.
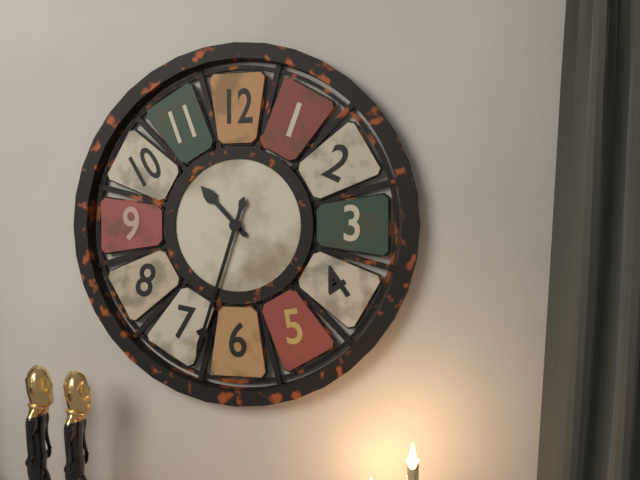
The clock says 10:33
